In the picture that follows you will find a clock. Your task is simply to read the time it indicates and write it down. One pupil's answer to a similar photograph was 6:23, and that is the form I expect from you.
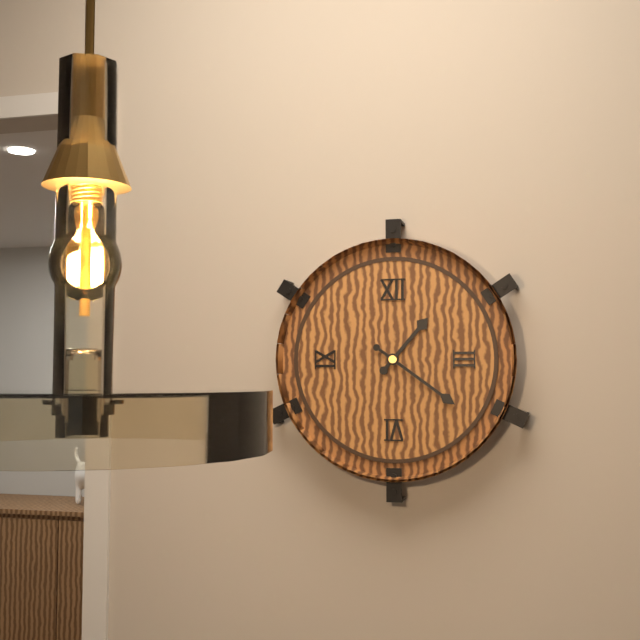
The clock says 1:21
